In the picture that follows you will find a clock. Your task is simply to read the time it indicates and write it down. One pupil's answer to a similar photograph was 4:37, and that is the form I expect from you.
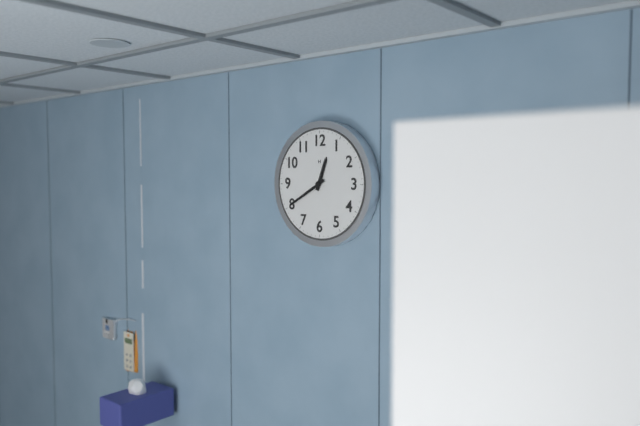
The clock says 12:40
